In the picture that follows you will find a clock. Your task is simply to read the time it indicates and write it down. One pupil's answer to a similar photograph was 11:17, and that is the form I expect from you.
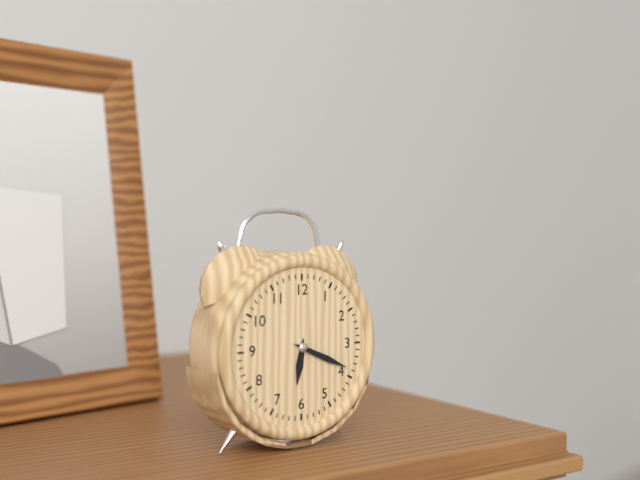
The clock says 6:19
